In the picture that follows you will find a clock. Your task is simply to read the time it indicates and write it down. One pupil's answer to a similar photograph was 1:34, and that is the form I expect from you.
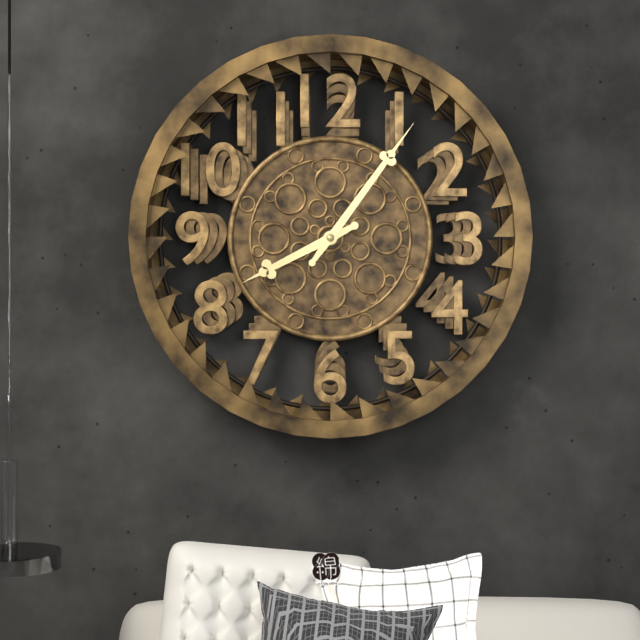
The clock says 8:06
